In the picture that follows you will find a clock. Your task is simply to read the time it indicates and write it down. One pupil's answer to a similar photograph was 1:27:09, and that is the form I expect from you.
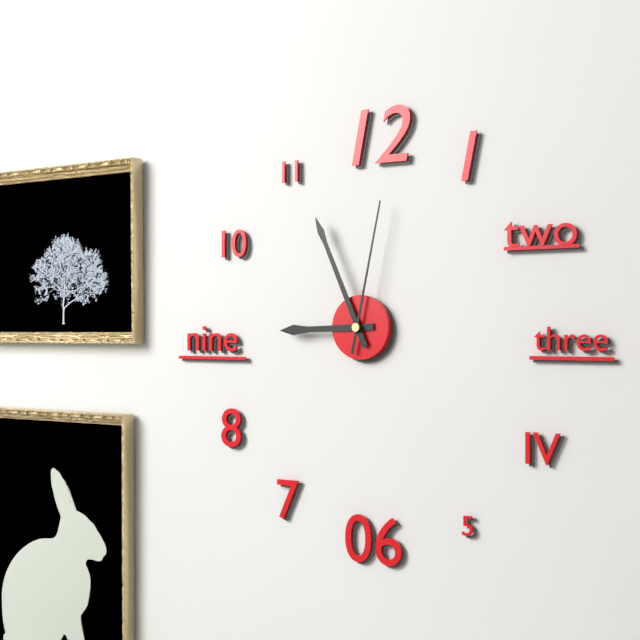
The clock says 8:56:02
